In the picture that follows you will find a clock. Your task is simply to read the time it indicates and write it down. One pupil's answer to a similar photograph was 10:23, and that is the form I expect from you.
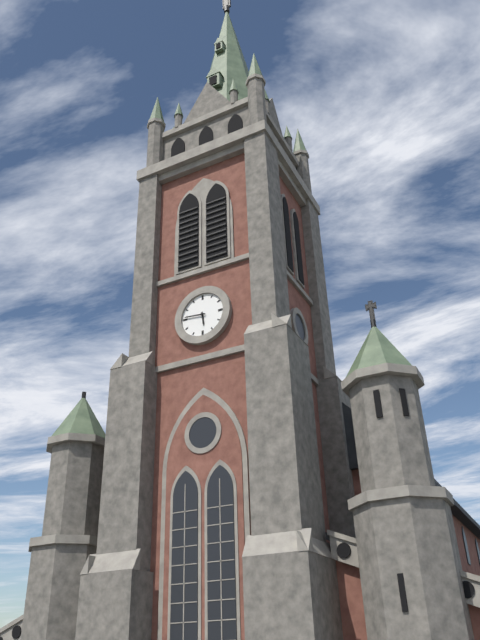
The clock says 5:46
